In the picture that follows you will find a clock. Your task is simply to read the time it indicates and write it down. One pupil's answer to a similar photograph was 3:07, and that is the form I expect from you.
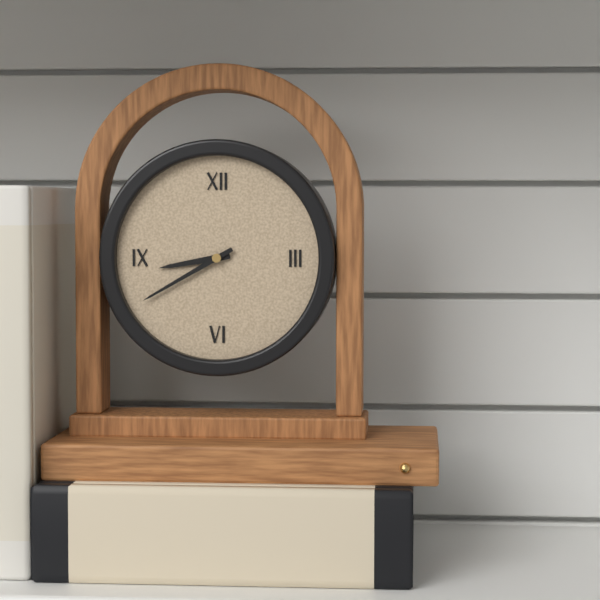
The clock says 8:40
